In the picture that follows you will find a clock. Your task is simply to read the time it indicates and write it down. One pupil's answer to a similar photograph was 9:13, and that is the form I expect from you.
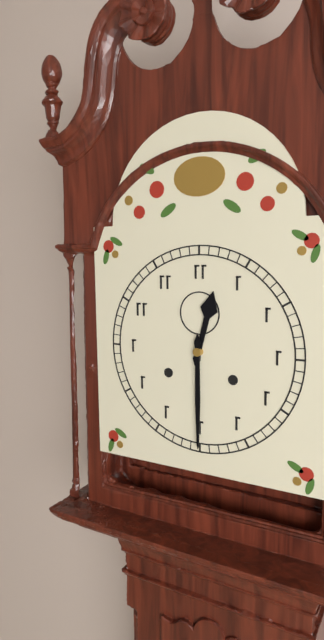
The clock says 12:30
